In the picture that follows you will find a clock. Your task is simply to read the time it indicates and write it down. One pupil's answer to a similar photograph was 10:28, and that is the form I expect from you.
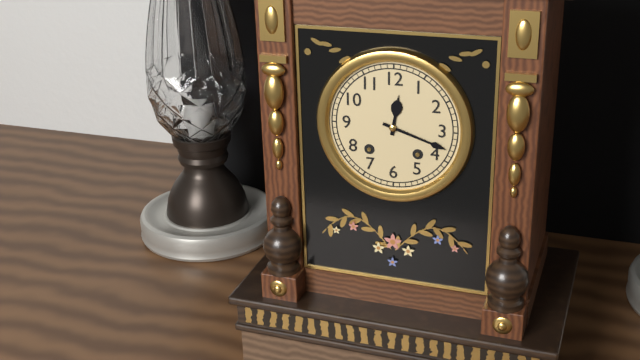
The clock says 12:18
